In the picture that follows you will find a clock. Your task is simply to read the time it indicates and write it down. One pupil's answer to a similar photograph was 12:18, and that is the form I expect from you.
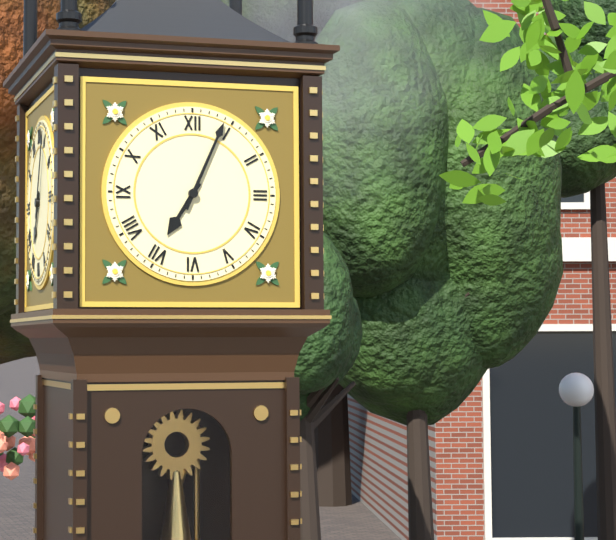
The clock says 7:04
